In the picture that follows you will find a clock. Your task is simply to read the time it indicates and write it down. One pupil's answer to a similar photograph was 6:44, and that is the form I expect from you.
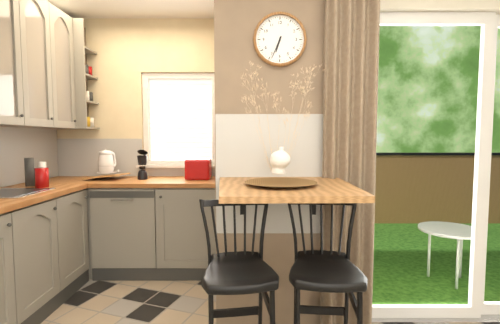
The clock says 6:34
